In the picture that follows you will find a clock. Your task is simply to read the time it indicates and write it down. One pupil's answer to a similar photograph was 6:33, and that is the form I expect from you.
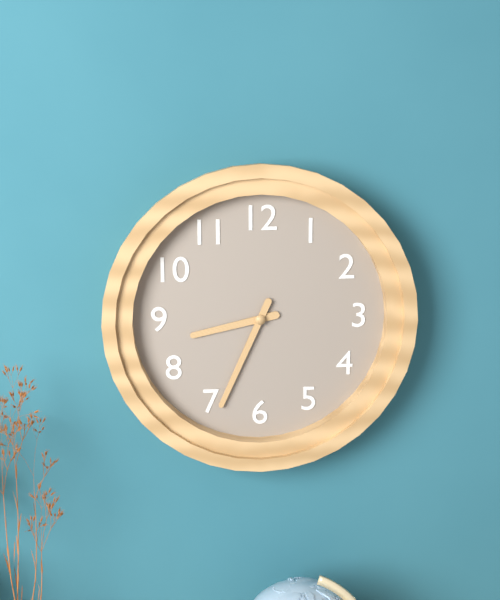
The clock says 8:34
